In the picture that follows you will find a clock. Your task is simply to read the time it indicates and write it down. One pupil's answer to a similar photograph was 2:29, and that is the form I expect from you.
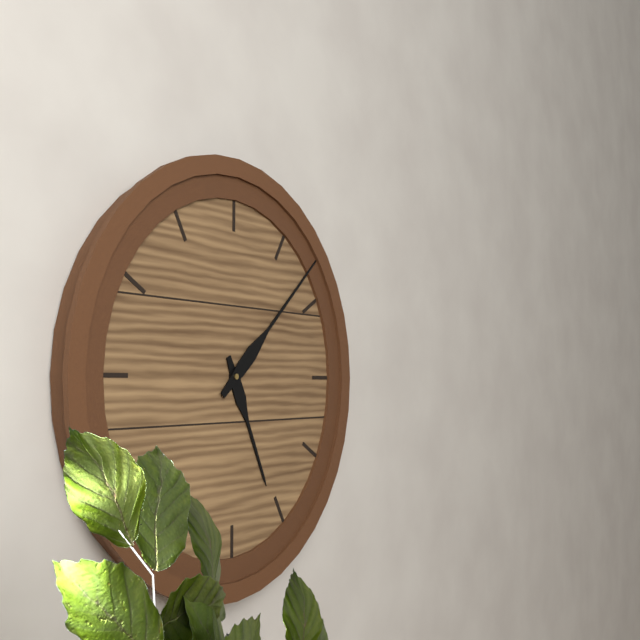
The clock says 5:08
